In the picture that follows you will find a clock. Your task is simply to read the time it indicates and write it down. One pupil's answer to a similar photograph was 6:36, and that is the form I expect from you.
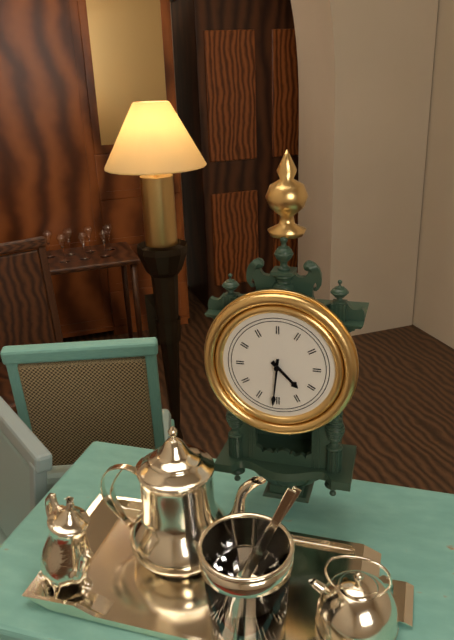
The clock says 4:31
